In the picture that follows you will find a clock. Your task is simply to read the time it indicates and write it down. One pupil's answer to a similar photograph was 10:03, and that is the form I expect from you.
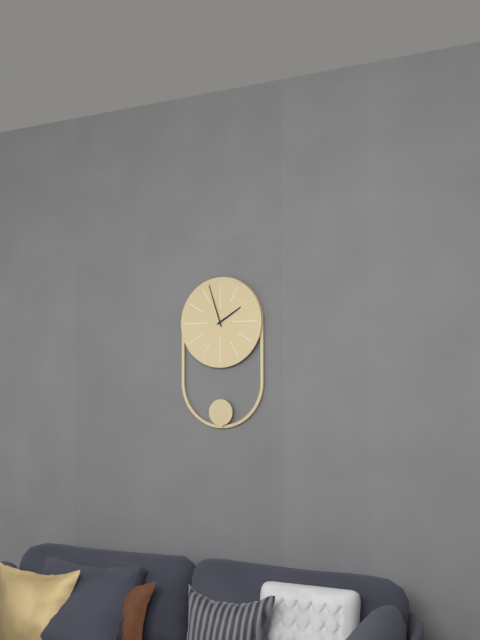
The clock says 1:57
